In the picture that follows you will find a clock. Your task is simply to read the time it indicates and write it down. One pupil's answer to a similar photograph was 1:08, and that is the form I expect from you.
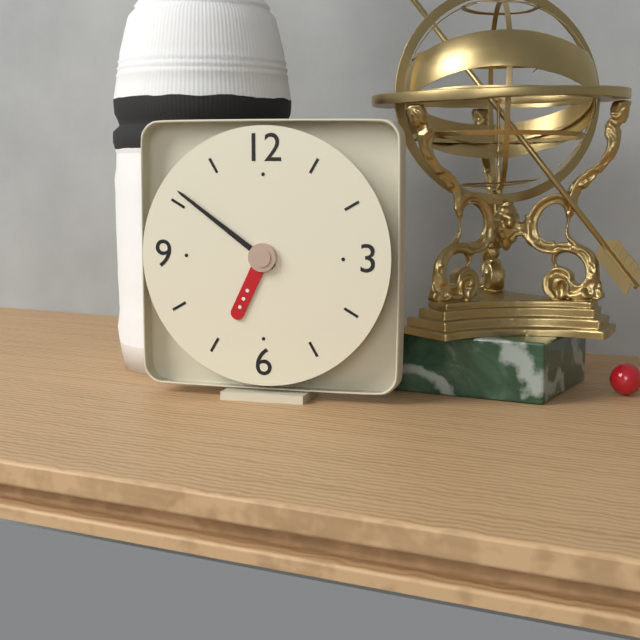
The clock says 6:51
